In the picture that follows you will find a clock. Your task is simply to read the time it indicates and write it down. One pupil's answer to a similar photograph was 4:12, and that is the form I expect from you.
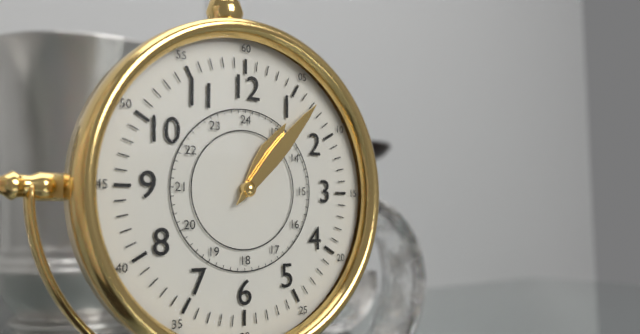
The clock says 1:07
